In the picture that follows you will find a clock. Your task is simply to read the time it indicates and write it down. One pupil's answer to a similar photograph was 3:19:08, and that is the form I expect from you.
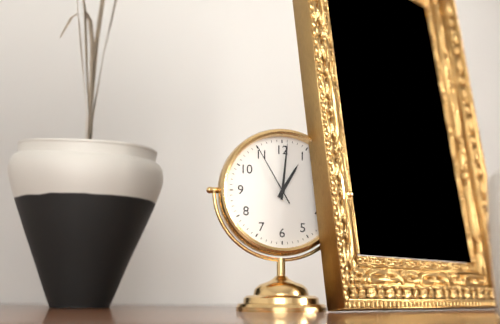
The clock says 1:01:55
